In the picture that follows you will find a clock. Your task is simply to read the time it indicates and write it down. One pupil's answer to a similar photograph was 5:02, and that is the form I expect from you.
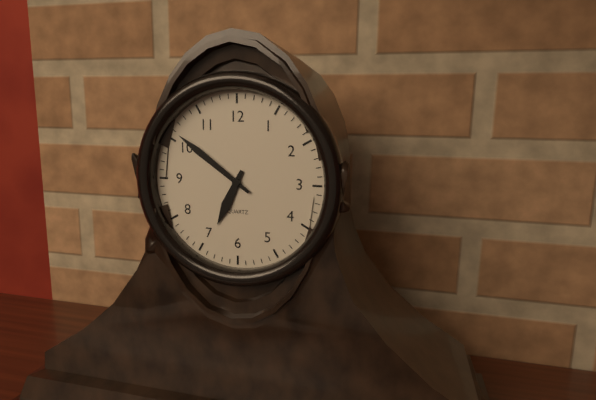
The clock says 6:51
